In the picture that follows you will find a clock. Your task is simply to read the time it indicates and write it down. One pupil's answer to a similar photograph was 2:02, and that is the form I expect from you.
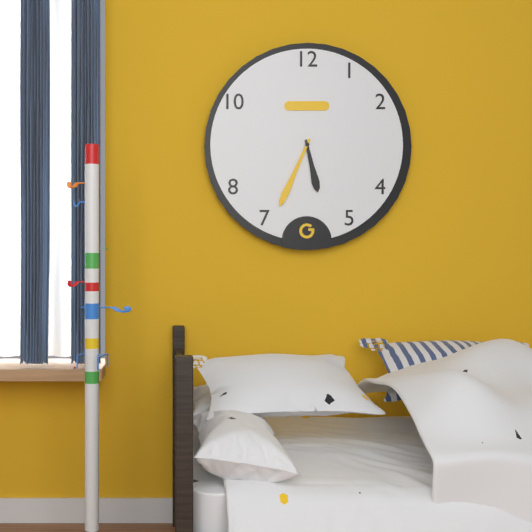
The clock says 5:34
